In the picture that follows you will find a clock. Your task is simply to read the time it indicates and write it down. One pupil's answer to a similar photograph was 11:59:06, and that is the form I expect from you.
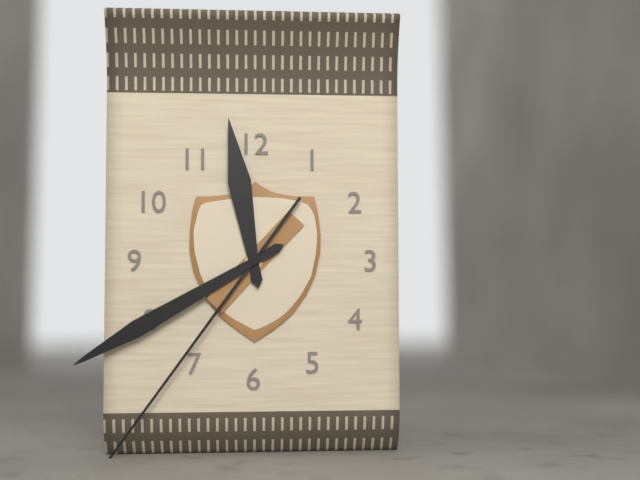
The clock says 11:40:36
